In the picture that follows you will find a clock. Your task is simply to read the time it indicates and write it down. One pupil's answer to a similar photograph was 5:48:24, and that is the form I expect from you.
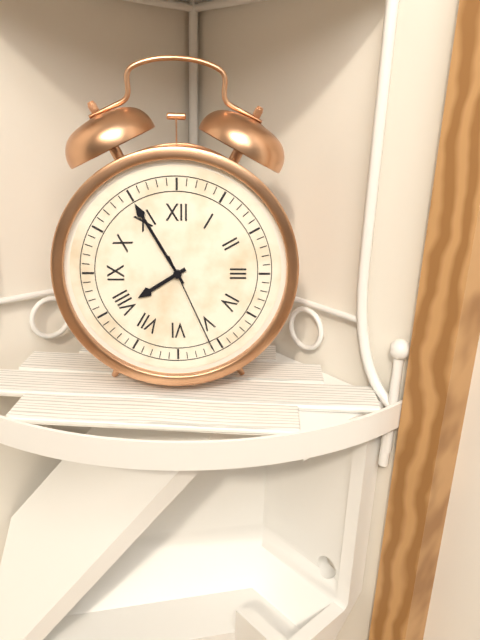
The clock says 7:55:26
